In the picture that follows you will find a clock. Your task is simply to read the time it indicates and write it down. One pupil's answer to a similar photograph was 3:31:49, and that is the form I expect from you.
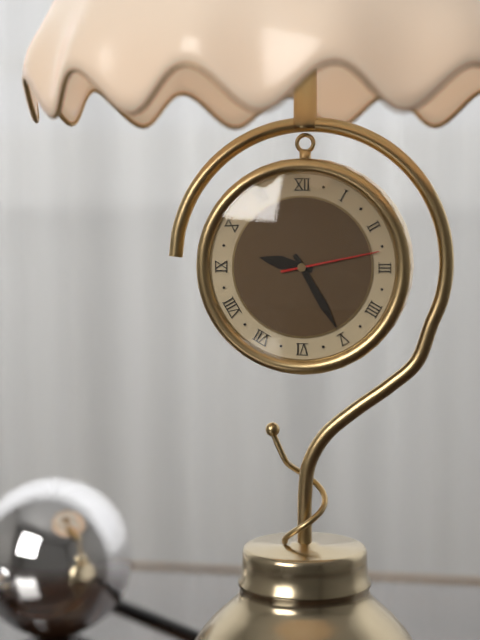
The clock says 9:25:13
